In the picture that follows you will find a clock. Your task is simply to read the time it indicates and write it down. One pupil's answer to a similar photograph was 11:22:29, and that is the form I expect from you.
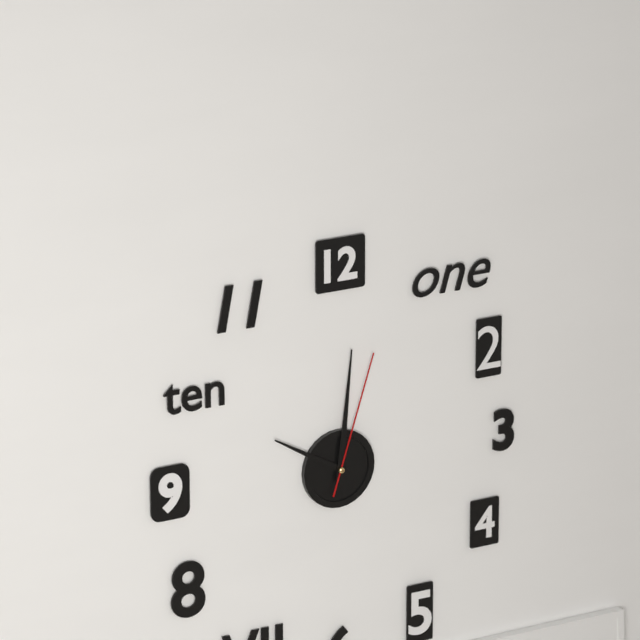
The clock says 10:01:03
